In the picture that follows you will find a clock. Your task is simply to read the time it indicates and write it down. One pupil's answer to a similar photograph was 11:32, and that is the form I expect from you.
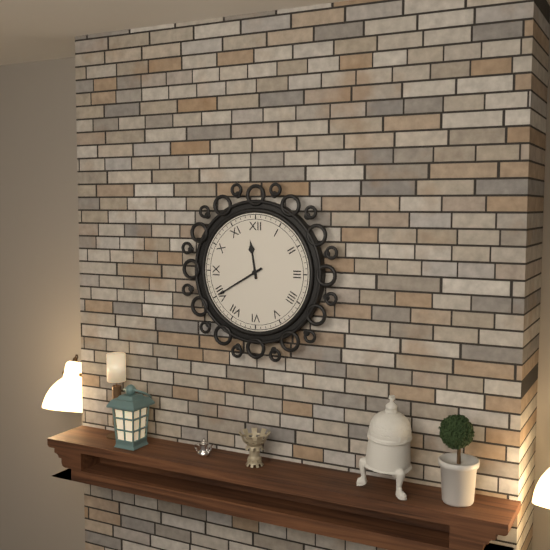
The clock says 11:40
